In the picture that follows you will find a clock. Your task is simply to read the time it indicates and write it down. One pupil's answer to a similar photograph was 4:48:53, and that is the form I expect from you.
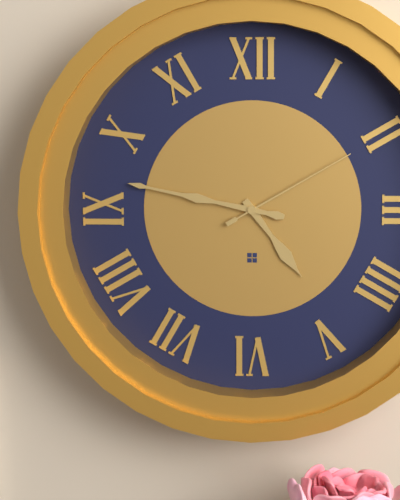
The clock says 4:47:10
